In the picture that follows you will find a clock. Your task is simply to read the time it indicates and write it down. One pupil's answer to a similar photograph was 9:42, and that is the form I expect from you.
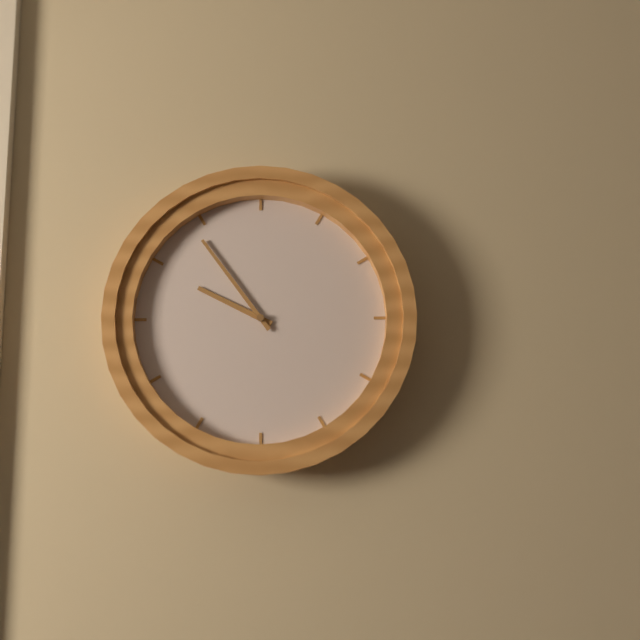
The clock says 9:54
